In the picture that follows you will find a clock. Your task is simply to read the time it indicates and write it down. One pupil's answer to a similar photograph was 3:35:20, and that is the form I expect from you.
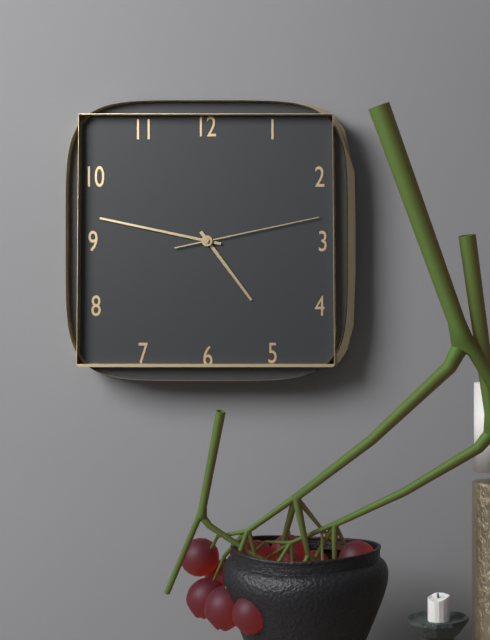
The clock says 4:47:13
